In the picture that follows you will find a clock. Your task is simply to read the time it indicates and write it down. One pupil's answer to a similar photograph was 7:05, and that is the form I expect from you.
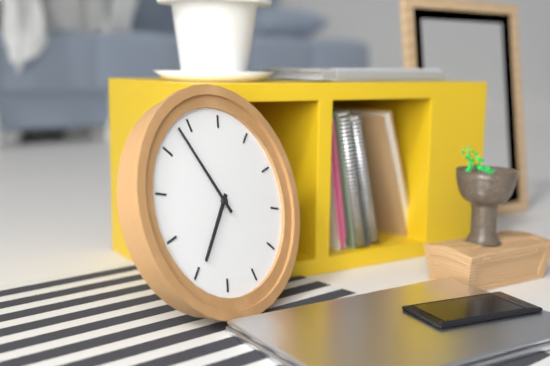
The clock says 6:53
